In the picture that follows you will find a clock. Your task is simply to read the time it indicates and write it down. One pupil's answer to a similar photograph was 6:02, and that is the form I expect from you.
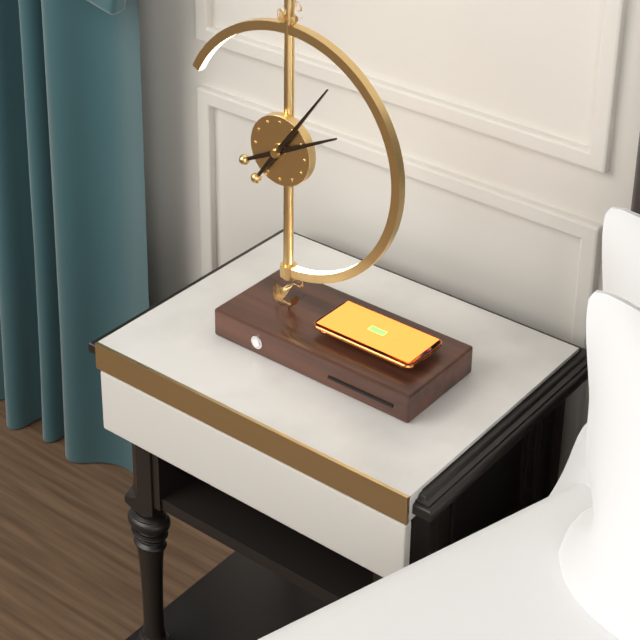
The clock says 2:06
